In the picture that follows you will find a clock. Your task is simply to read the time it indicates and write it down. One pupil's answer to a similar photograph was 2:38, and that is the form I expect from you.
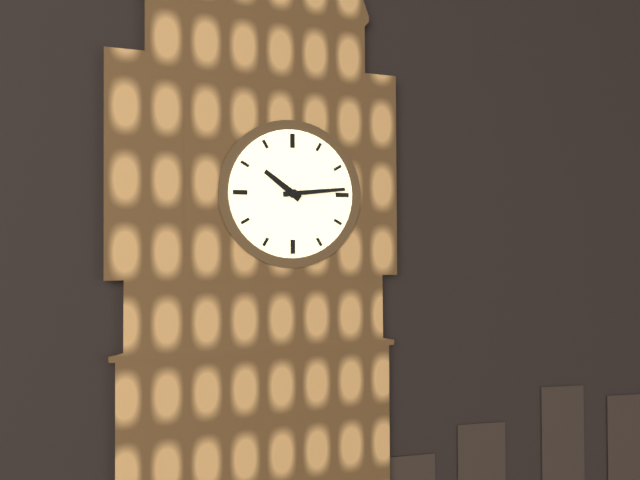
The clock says 10:14
